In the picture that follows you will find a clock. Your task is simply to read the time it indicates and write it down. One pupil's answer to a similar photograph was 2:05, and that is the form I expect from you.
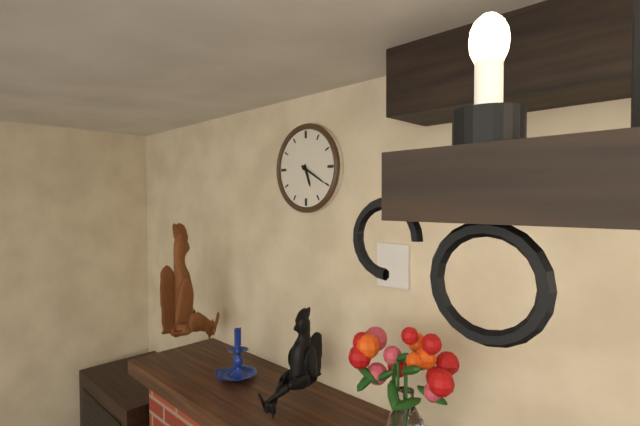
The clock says 5:20
